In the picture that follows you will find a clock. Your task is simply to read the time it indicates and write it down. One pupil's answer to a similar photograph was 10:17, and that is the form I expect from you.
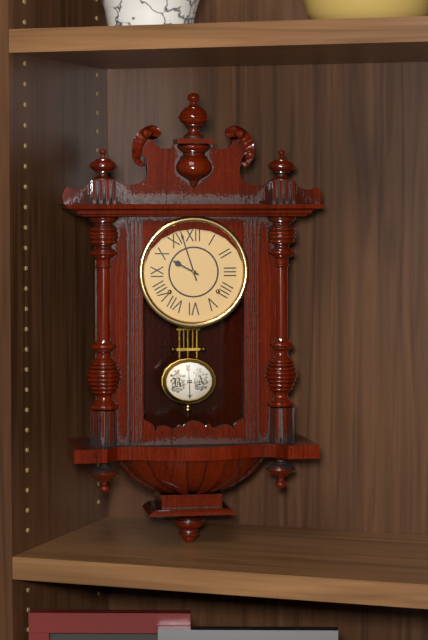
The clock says 9:57
